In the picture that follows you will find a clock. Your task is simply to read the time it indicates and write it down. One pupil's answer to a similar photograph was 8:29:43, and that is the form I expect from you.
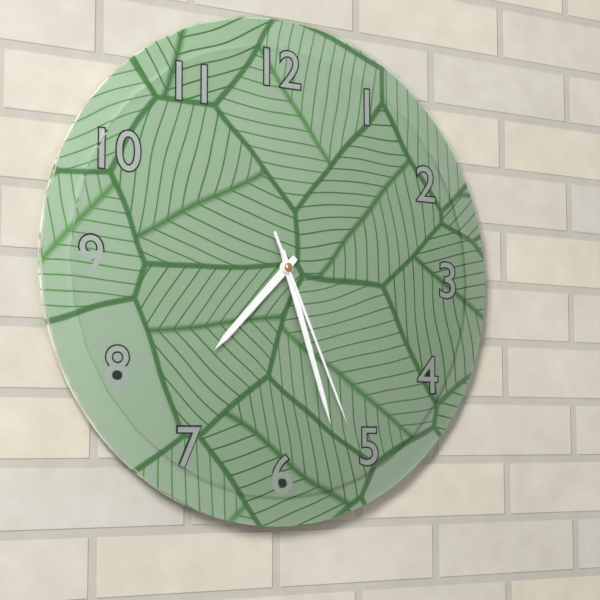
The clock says 7:27:26
